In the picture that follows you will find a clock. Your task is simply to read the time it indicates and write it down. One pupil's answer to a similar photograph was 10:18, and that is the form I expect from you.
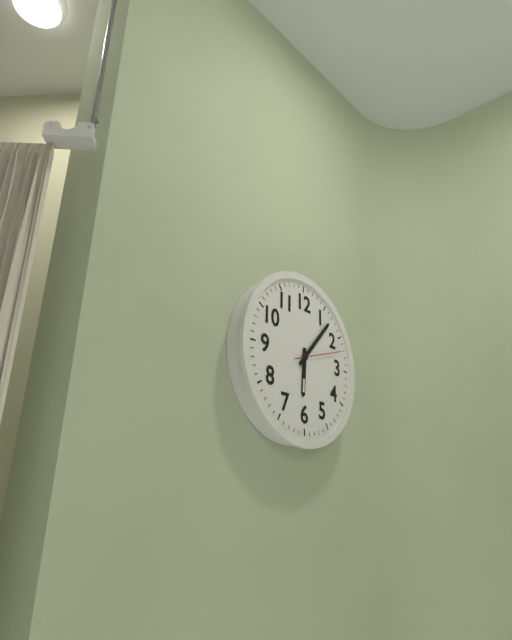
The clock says 6:07
